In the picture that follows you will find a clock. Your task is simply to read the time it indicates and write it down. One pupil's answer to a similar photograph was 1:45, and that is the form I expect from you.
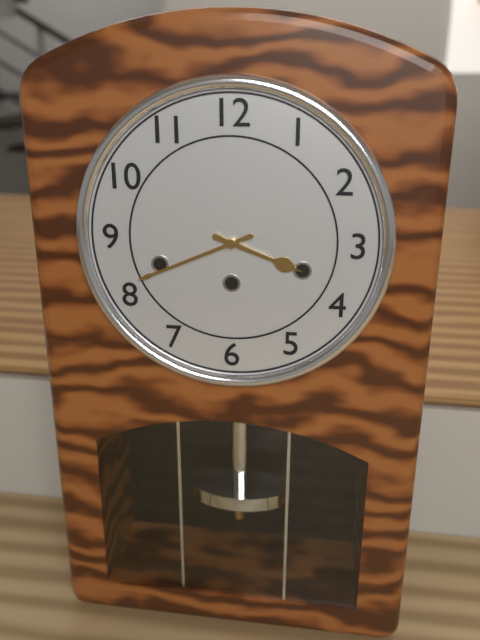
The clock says 3:41
